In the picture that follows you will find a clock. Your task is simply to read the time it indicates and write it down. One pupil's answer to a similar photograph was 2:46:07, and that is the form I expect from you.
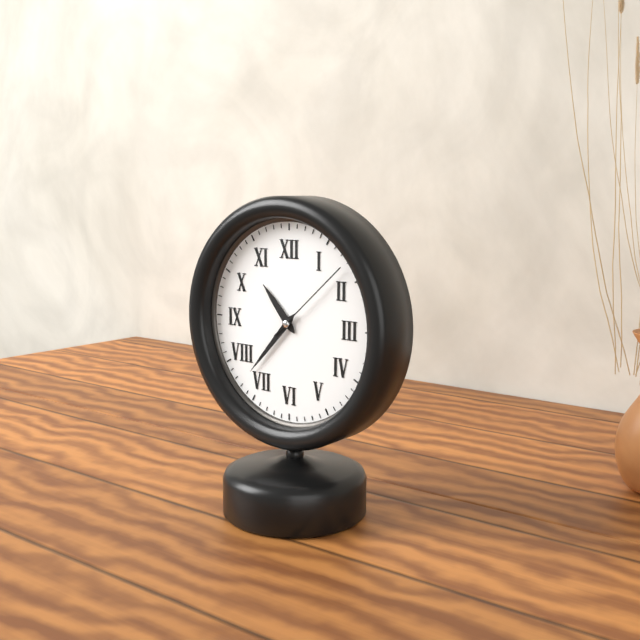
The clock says 10:37:08
